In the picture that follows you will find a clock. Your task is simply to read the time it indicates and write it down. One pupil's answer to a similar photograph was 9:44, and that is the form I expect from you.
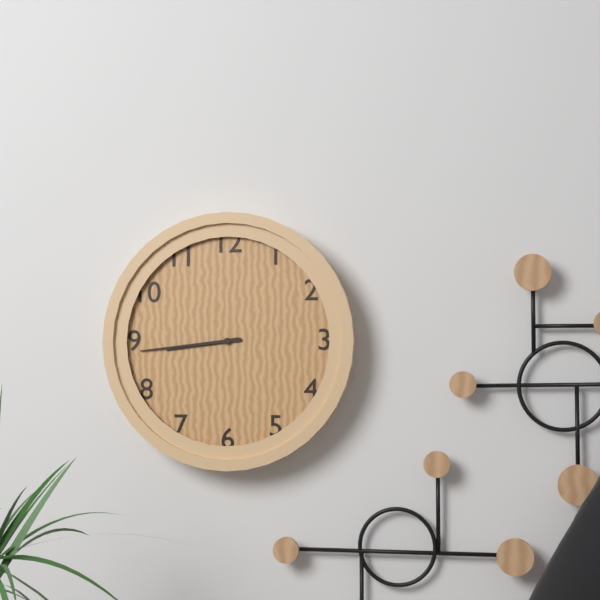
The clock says 8:44
